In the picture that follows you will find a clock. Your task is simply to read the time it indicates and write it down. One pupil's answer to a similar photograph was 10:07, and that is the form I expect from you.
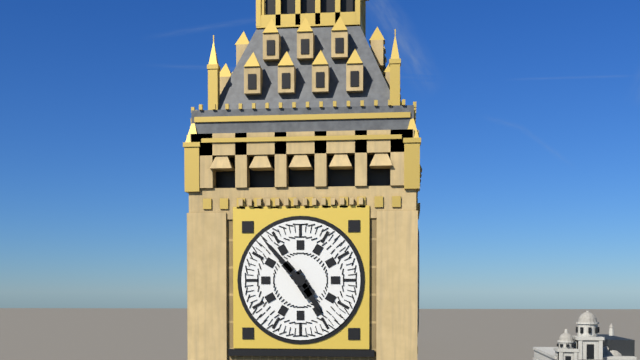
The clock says 4:53
